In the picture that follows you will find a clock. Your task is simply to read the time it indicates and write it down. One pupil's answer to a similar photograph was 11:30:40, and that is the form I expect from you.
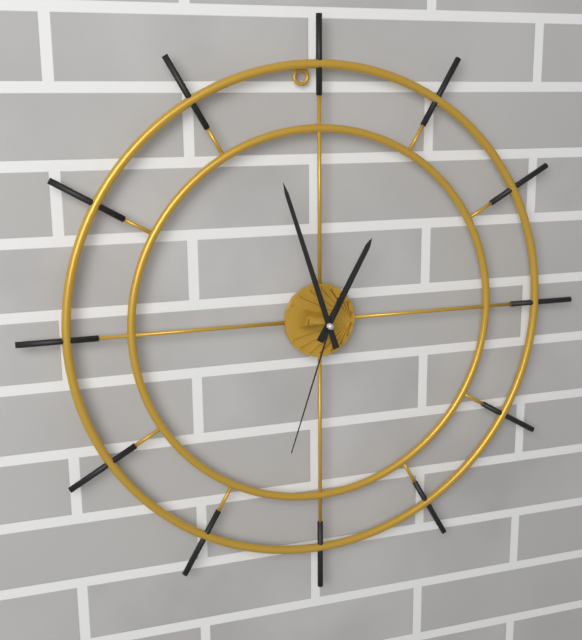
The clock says 12:57:33
